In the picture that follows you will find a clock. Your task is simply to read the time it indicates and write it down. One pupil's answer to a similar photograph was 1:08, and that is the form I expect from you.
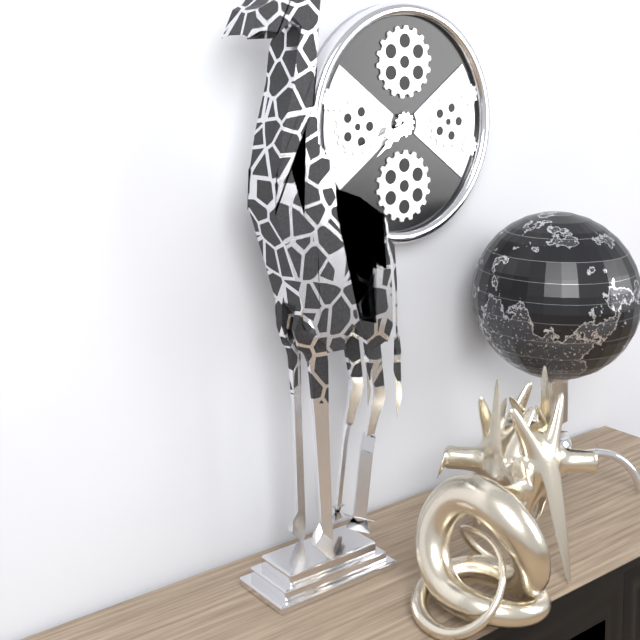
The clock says 7:42
